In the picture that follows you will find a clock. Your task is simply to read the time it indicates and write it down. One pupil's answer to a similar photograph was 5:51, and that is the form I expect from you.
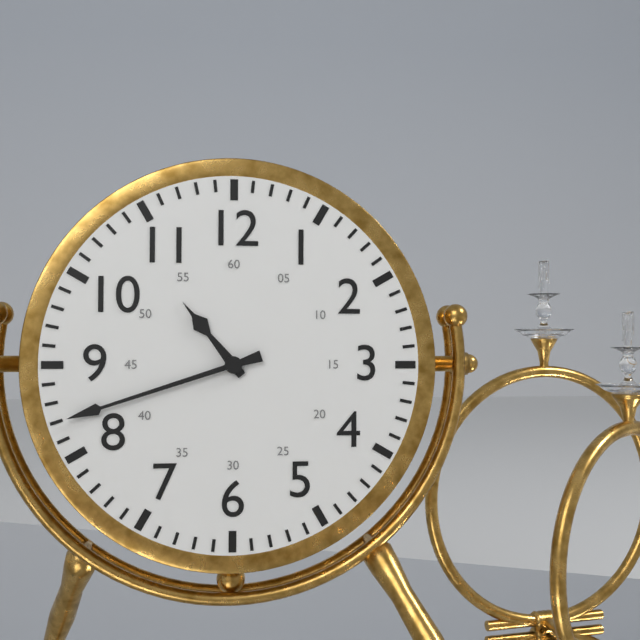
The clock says 10:42
